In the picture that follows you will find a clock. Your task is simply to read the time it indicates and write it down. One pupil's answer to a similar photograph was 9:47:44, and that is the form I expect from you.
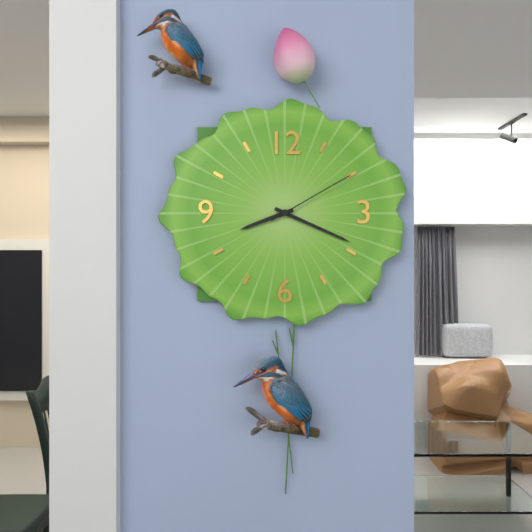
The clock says 8:19:10
